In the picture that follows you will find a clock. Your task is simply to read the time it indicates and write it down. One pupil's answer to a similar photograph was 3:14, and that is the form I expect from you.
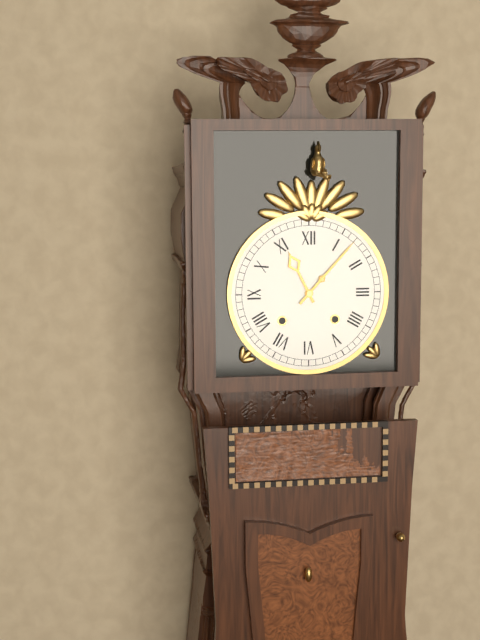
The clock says 11:07
